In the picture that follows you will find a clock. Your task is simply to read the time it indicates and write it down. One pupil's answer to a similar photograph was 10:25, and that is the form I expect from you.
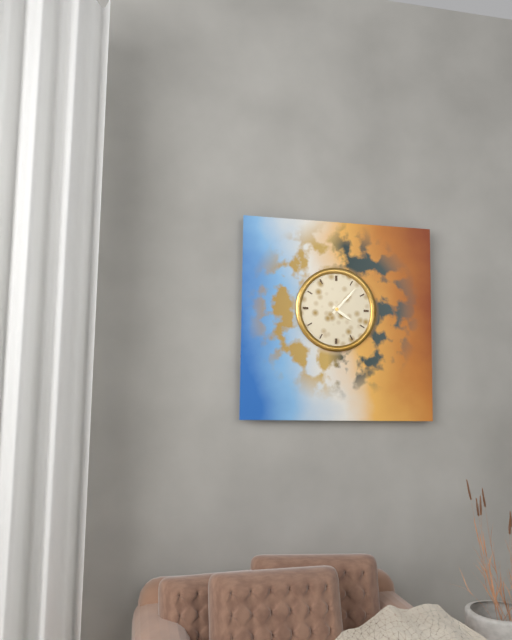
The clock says 4:07
